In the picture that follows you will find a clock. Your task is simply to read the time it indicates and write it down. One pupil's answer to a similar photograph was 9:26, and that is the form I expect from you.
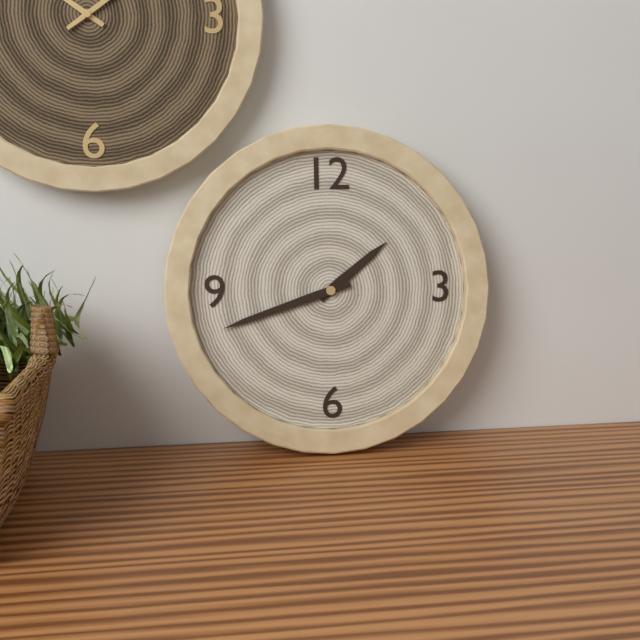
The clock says 1:42
